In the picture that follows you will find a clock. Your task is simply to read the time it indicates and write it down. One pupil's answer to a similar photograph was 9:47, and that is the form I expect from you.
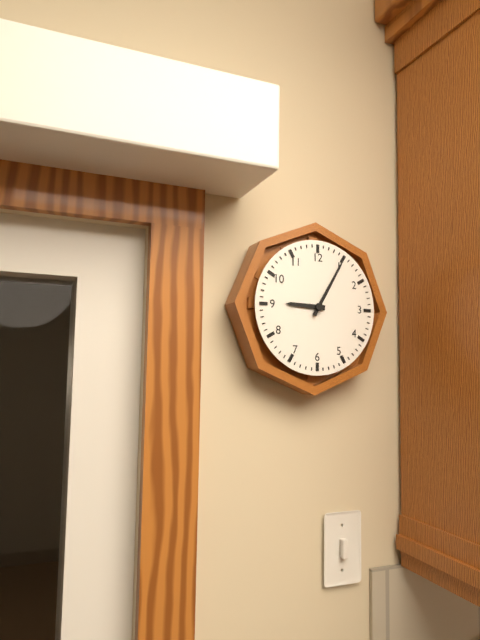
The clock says 9:05
